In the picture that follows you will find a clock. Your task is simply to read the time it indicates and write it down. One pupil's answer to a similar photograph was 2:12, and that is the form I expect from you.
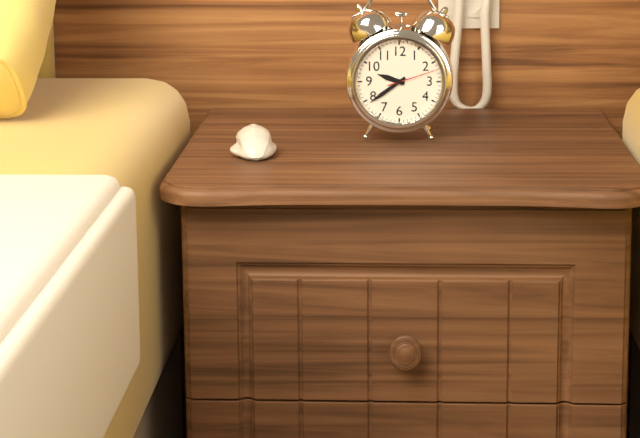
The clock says 9:39
